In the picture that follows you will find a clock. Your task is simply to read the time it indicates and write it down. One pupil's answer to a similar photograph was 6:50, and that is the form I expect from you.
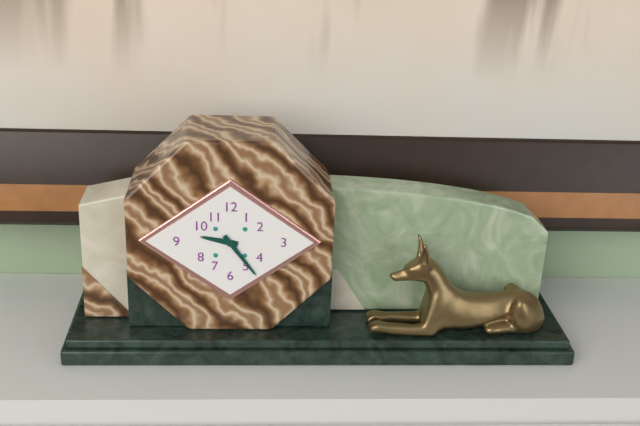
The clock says 9:24
